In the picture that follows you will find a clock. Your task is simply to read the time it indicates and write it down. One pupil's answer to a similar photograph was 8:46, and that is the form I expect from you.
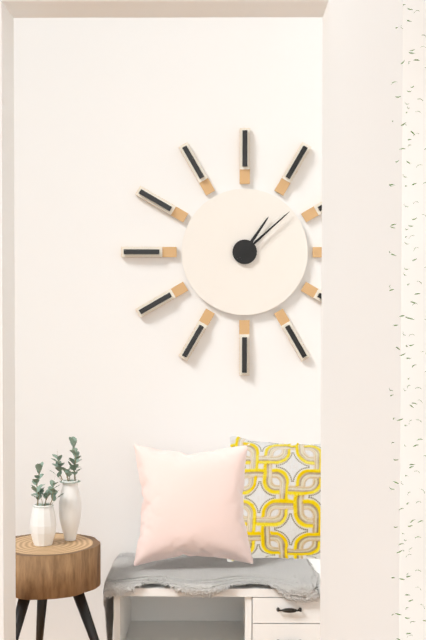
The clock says 1:08
